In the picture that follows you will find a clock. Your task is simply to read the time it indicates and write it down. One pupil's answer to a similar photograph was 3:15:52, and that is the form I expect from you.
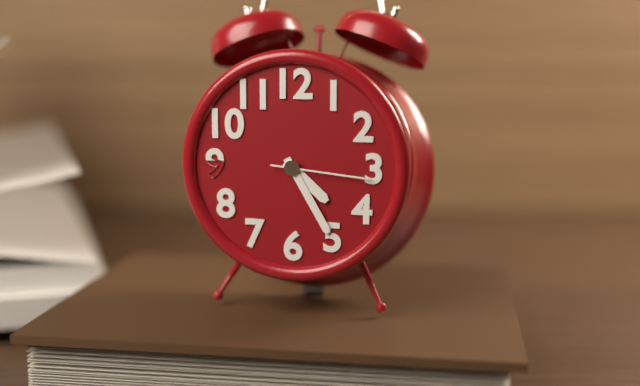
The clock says 4:25:16
